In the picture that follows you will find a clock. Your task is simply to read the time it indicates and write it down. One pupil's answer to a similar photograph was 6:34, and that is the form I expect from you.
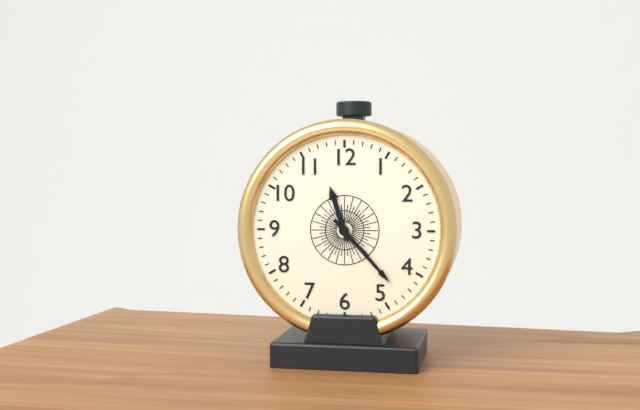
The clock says 11:23
